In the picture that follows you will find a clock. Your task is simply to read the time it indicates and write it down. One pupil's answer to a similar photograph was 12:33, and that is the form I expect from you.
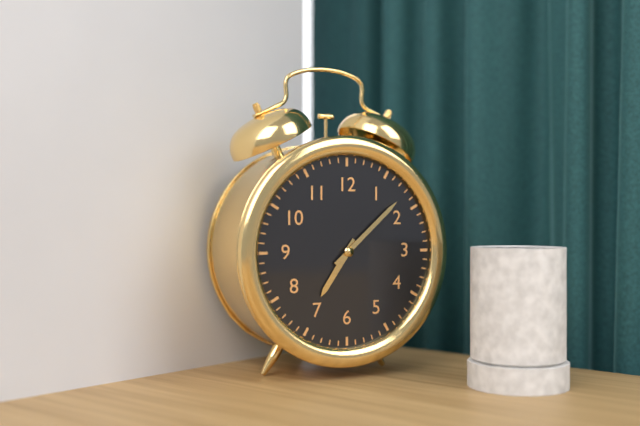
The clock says 7:08
